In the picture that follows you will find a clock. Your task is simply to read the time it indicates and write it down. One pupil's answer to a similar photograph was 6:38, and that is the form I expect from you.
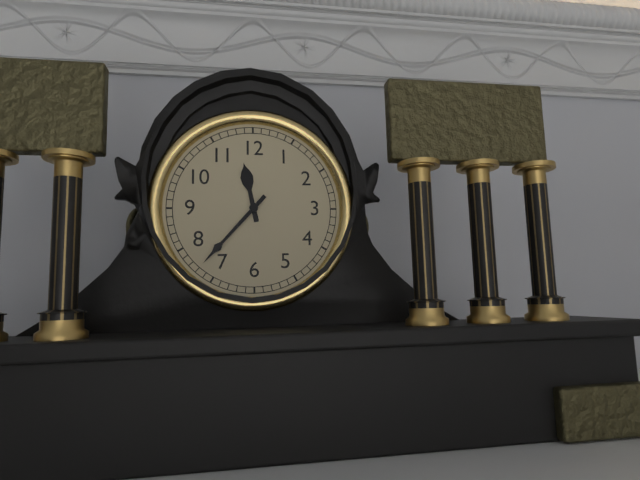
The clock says 11:37
